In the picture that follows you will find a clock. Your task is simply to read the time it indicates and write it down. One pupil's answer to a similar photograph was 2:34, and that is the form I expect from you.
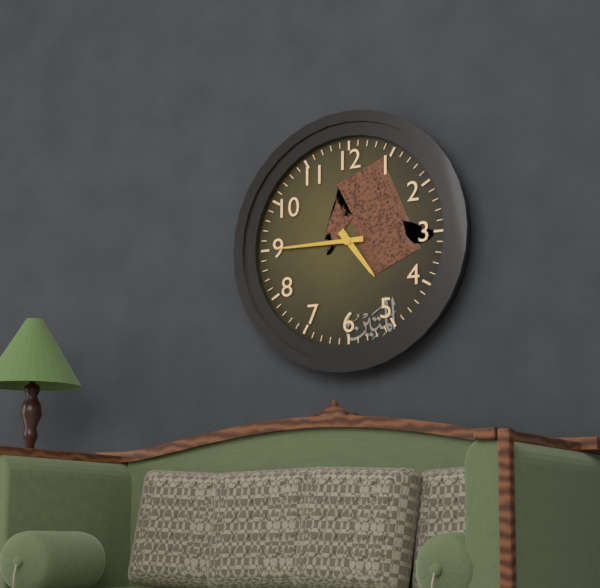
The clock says 4:45
